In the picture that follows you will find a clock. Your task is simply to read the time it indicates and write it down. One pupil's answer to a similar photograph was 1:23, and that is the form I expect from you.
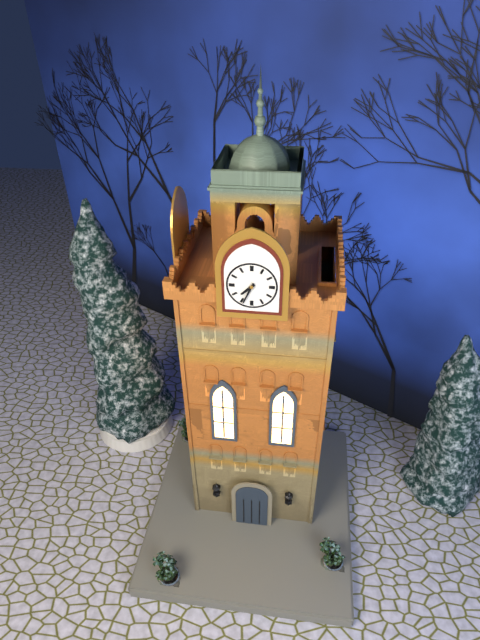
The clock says 7:34
